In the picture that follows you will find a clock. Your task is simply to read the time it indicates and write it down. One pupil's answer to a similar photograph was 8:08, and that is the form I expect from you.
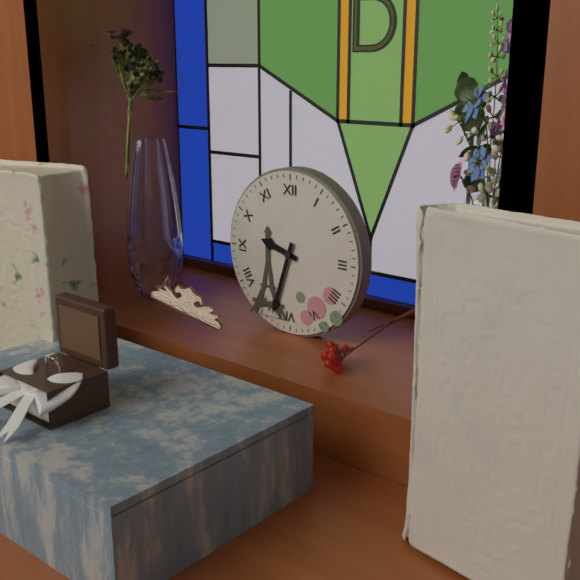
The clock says 9:33
